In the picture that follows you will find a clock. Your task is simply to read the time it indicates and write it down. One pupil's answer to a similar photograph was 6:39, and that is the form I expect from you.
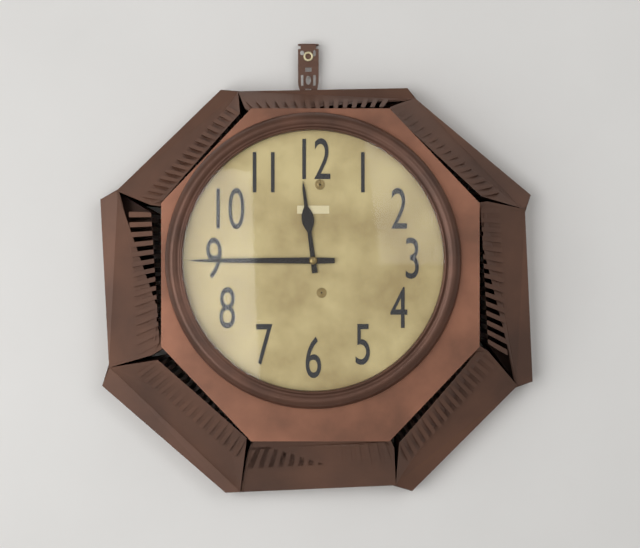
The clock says 11:45
